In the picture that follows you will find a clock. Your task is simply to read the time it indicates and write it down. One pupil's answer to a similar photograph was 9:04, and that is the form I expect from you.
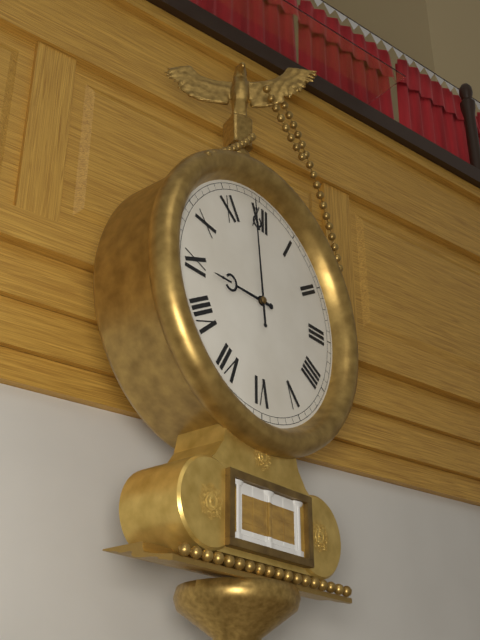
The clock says 8:59
